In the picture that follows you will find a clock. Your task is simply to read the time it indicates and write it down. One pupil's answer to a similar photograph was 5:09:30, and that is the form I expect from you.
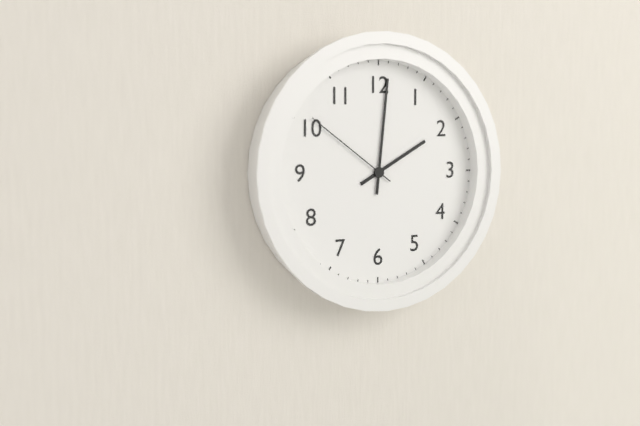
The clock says 2:01:51
